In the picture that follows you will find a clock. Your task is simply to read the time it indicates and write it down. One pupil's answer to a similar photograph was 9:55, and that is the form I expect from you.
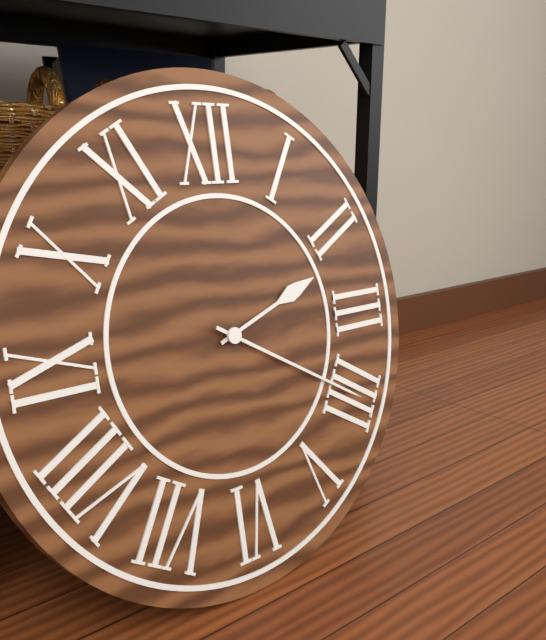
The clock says 2:20
